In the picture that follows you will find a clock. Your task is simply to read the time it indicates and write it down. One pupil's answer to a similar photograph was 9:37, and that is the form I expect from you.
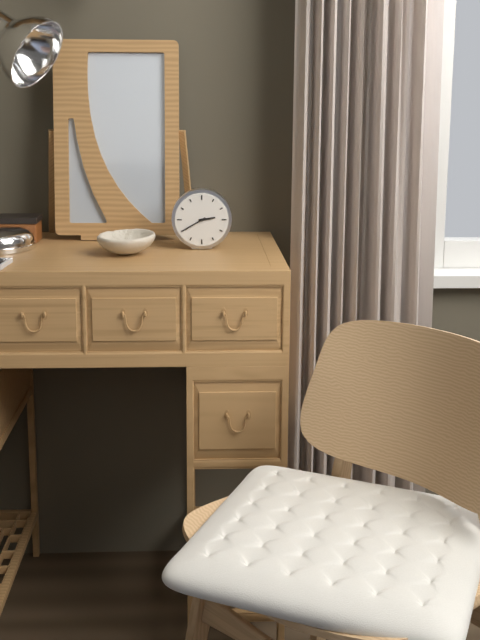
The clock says 2:40
